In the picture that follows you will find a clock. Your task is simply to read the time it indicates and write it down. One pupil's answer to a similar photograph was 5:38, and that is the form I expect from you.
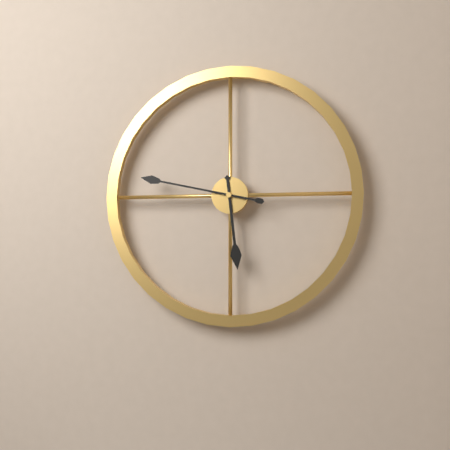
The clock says 5:47
